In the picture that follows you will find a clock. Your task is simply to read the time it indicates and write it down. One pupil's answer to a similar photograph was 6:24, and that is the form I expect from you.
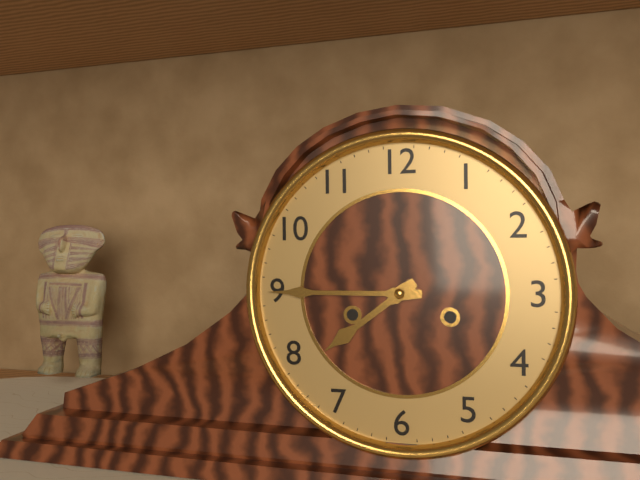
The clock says 7:45
